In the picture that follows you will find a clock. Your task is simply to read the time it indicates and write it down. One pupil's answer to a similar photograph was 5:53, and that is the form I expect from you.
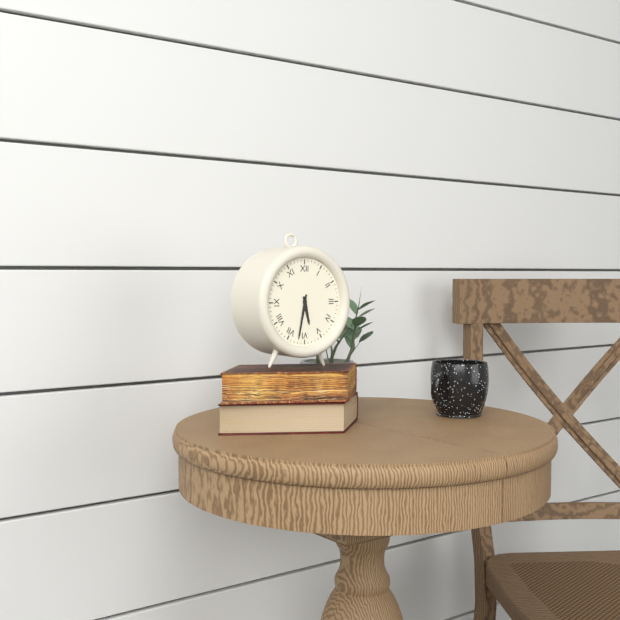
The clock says 5:32
